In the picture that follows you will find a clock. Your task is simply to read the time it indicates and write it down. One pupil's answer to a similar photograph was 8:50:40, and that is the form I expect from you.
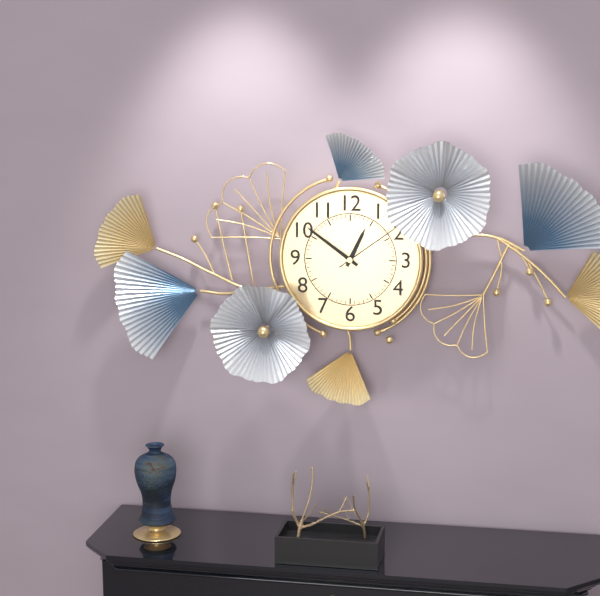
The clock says 12:51:09
